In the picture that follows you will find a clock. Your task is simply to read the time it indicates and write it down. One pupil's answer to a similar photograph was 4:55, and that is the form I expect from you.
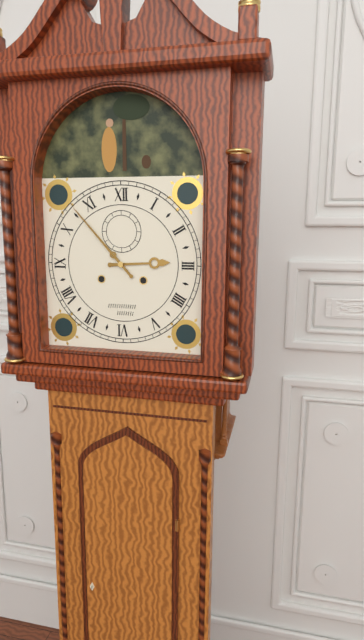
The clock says 2:53
